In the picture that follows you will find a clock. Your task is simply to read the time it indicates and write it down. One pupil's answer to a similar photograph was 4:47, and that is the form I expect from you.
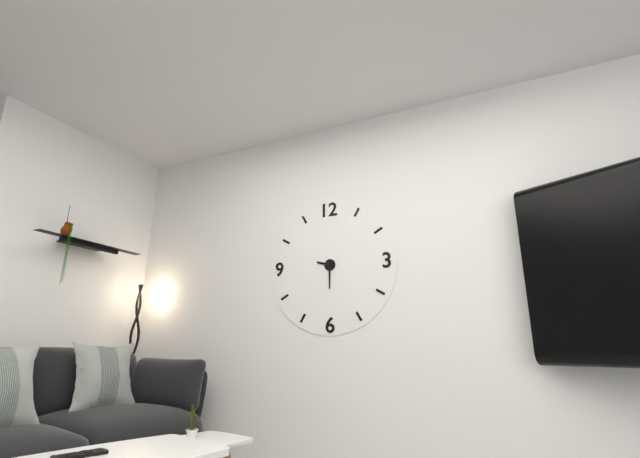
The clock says 9:30
